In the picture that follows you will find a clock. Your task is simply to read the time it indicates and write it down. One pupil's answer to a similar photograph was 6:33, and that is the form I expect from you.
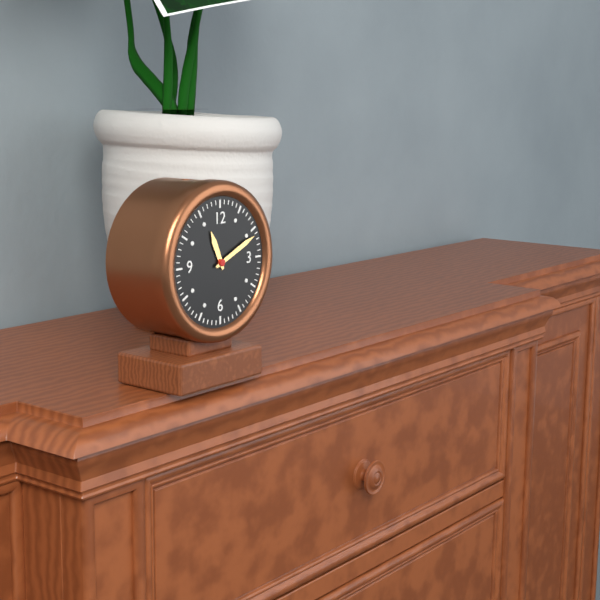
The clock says 11:11
